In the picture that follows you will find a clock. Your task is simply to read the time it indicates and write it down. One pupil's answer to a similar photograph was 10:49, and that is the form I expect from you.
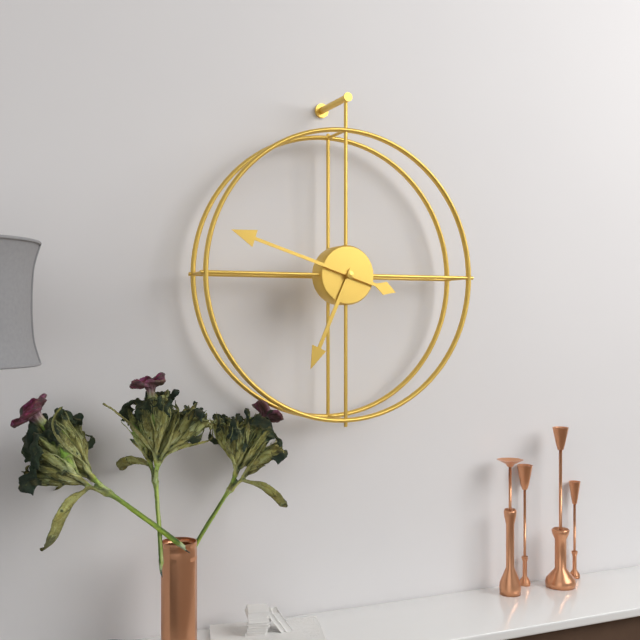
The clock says 6:48
